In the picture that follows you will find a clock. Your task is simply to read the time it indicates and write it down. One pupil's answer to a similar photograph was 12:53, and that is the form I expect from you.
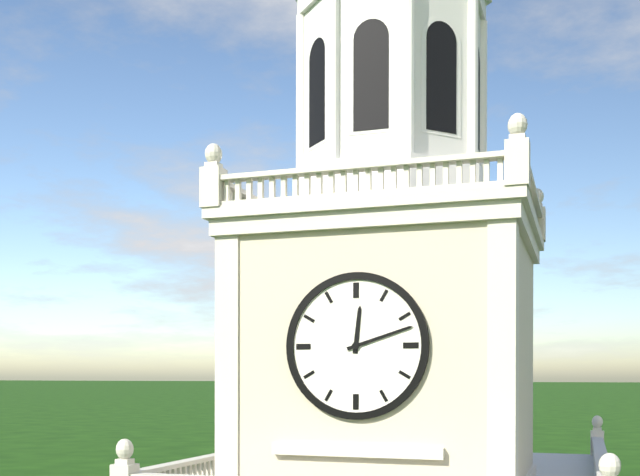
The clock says 12:12
